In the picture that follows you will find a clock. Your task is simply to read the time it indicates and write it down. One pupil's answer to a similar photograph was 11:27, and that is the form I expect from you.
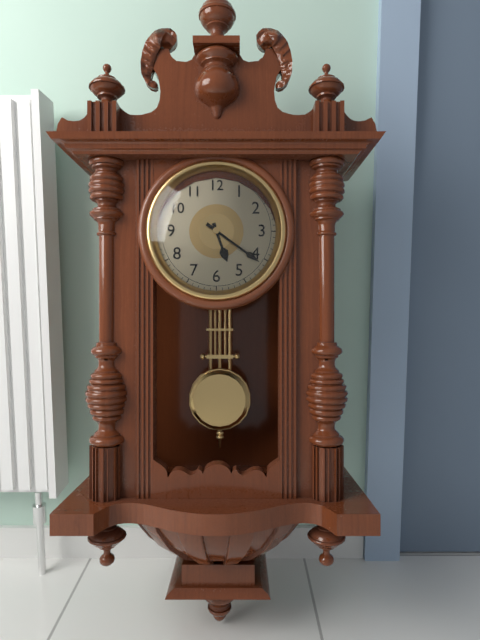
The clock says 5:21
